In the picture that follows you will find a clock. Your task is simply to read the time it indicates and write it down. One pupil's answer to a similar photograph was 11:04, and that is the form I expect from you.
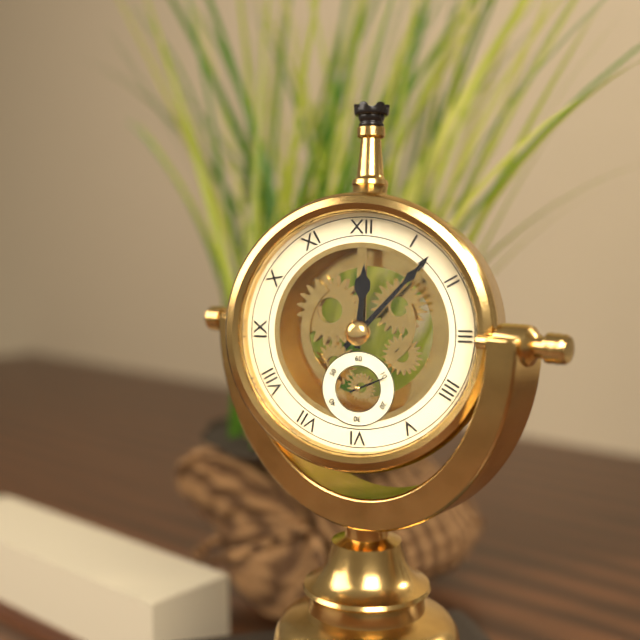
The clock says 12:07
